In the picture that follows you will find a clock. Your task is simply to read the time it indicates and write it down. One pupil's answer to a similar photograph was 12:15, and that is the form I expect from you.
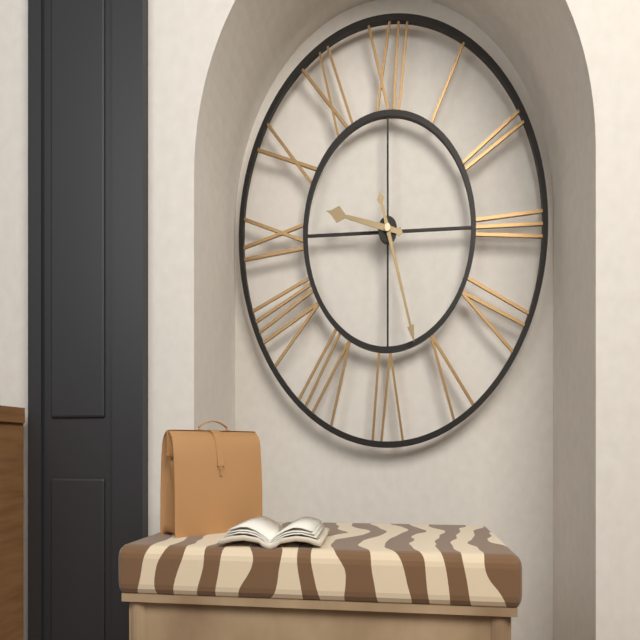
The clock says 9:27
